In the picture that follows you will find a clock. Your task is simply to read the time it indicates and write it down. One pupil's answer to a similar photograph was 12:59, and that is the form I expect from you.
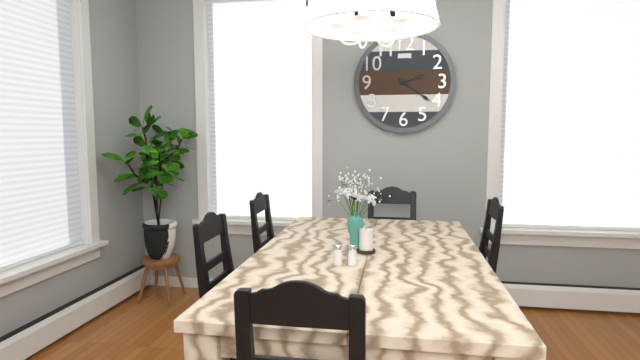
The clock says 2:21
